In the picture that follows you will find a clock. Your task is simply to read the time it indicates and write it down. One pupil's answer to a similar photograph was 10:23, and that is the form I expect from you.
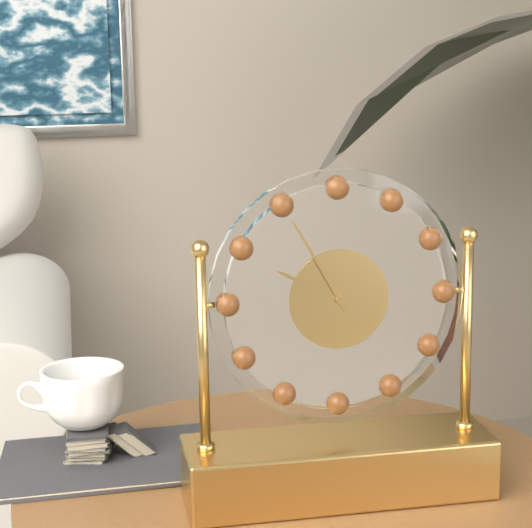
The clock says 9:55
